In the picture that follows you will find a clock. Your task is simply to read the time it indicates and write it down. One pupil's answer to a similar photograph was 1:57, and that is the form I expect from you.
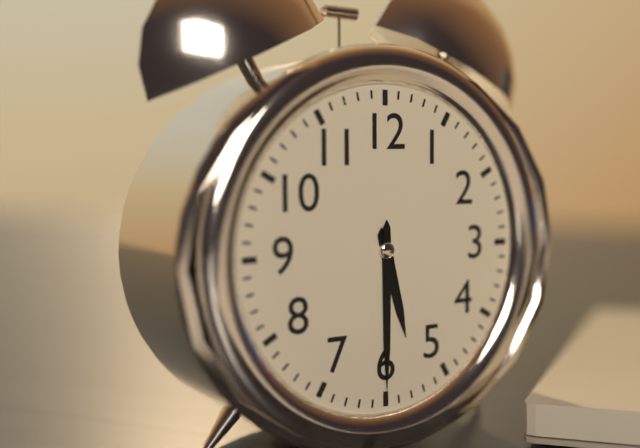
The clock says 5:30
